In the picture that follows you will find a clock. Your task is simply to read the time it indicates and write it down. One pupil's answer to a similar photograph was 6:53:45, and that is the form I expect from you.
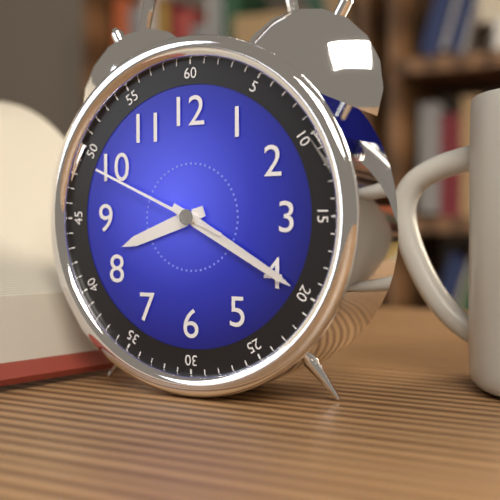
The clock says 8:20:49
